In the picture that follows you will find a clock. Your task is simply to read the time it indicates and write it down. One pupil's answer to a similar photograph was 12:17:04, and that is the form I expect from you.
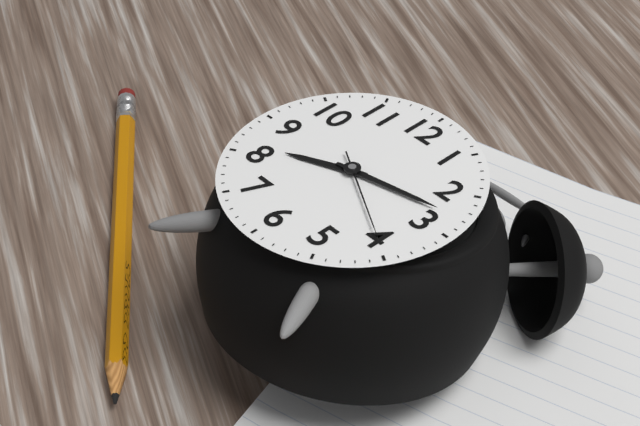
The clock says 8:13:20
